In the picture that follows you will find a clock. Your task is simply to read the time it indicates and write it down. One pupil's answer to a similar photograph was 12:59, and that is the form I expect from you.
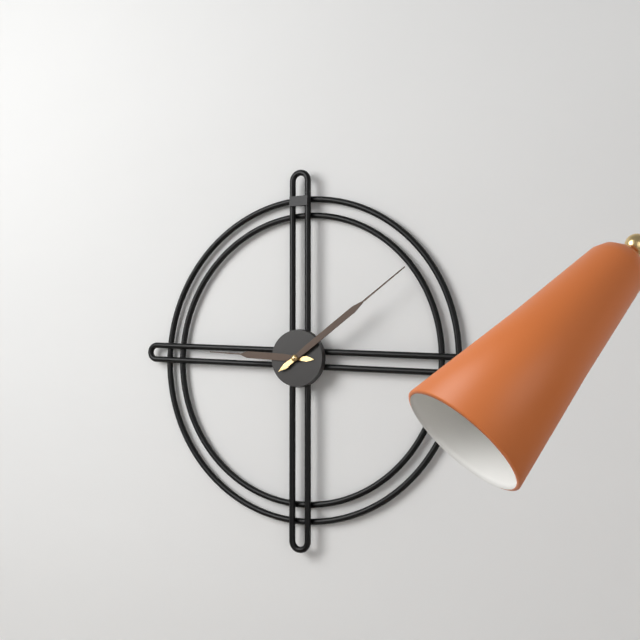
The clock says 9:09
